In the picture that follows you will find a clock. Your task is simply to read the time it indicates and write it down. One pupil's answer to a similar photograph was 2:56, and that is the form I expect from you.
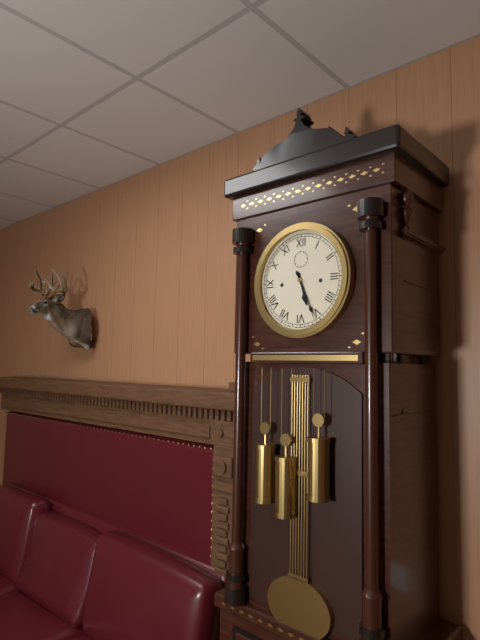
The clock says 5:26
